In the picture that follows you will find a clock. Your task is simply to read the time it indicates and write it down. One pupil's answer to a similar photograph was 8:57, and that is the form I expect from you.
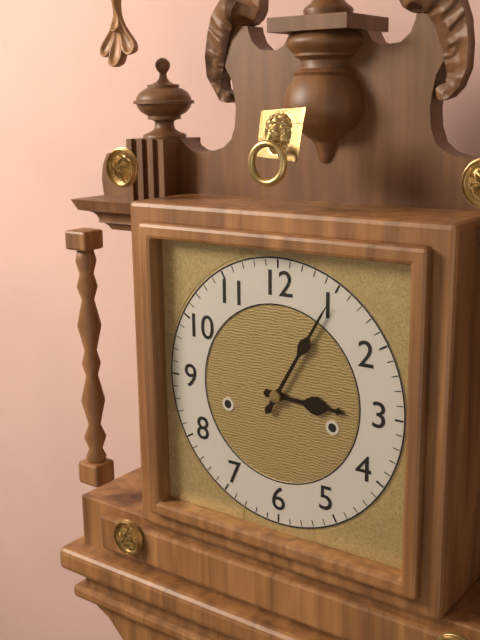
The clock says 3:05
